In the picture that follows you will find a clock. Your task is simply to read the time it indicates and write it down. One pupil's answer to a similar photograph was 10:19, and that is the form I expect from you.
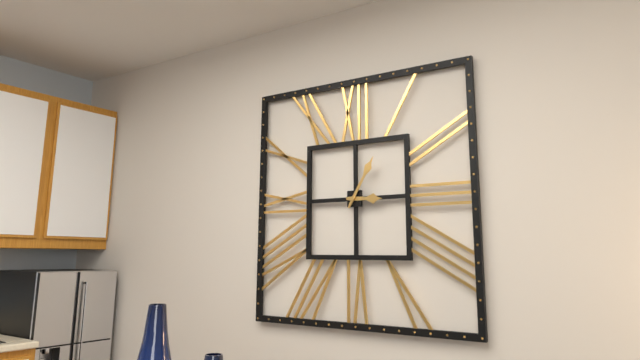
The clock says 3:05
